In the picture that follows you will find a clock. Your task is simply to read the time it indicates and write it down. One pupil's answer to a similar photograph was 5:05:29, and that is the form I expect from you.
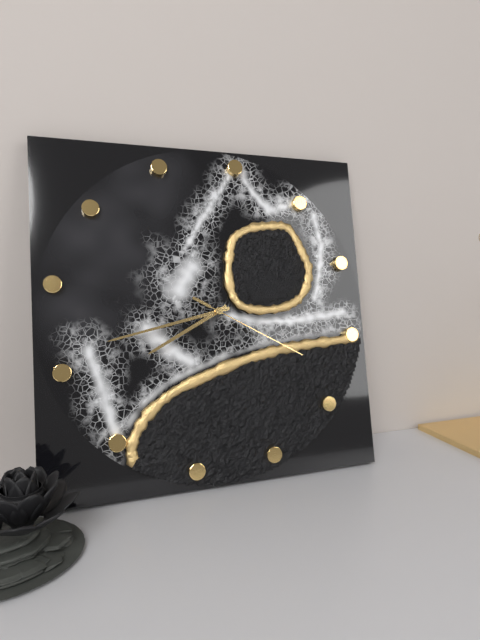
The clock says 7:41:18
